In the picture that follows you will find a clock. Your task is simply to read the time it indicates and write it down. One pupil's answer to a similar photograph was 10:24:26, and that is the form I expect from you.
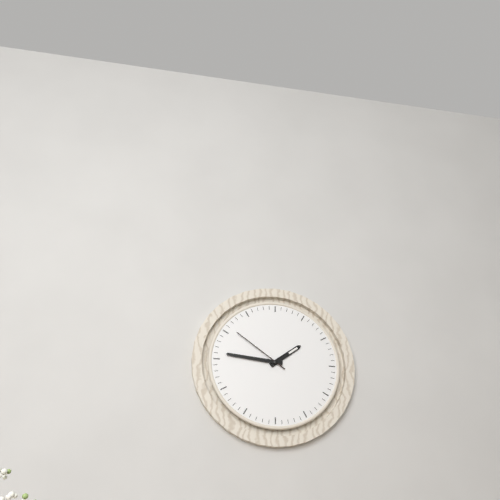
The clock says 1:46:51
